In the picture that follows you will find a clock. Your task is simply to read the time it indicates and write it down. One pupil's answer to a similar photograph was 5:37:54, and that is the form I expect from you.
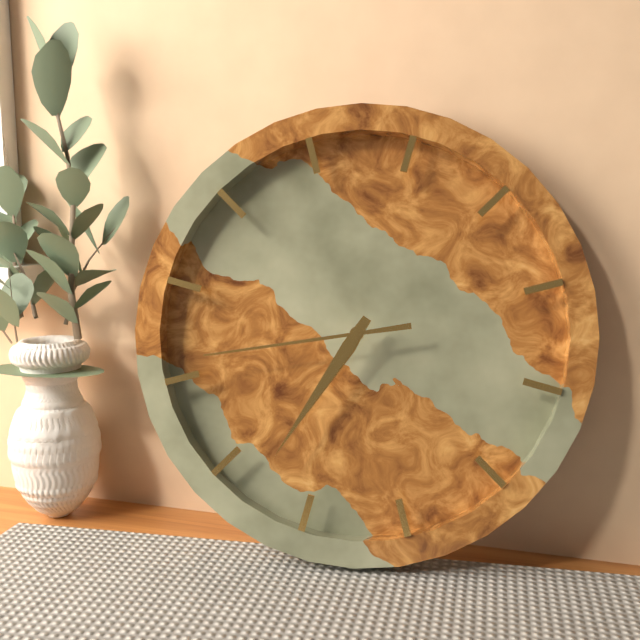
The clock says 6:33:41
